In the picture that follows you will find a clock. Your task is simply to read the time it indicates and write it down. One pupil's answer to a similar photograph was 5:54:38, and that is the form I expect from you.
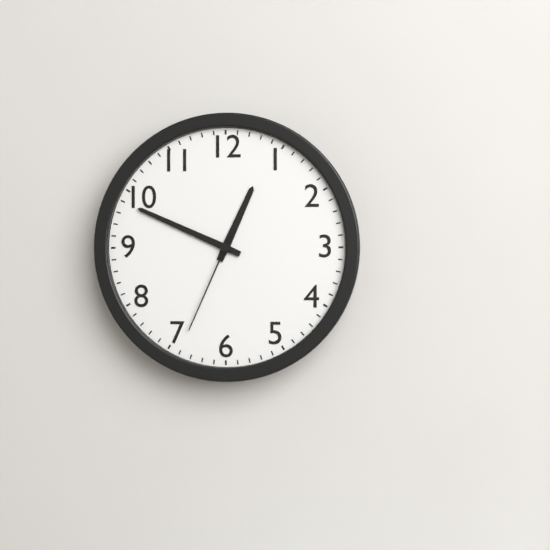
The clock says 12:49:34
